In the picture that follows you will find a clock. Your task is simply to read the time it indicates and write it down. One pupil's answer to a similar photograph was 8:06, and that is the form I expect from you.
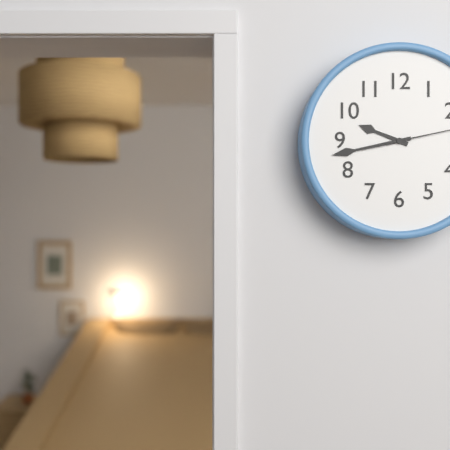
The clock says 9:43
